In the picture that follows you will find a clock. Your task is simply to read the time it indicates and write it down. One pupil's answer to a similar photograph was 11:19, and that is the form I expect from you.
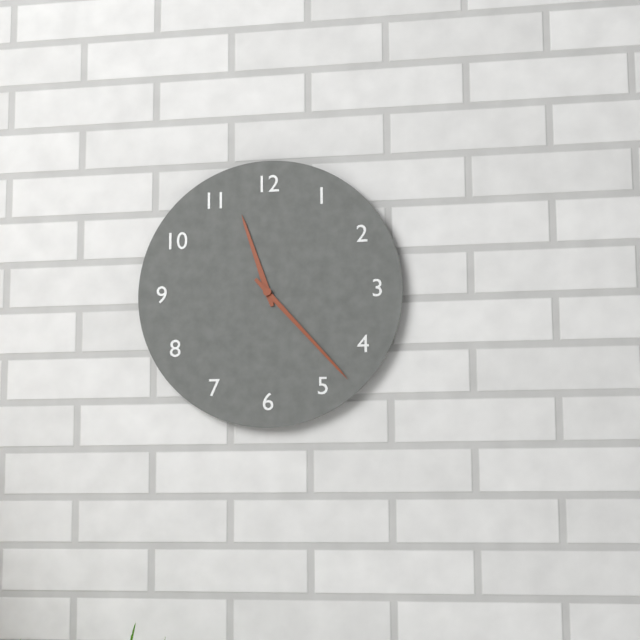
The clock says 11:23
